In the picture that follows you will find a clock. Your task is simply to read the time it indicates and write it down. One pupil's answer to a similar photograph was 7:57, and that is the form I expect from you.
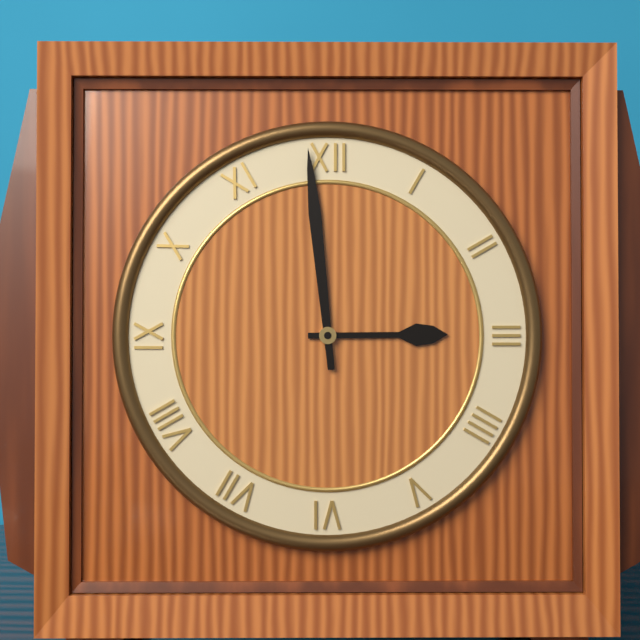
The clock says 2:59
